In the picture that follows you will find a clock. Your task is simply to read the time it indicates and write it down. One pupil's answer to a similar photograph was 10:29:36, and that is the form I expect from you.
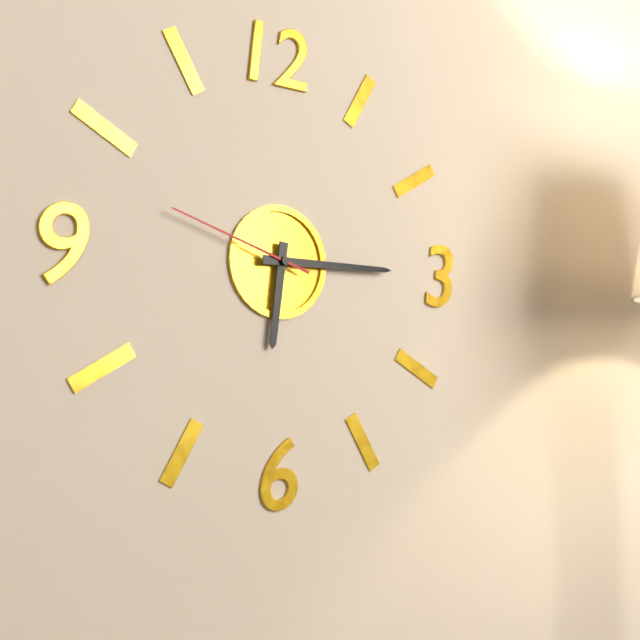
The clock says 6:15:48
